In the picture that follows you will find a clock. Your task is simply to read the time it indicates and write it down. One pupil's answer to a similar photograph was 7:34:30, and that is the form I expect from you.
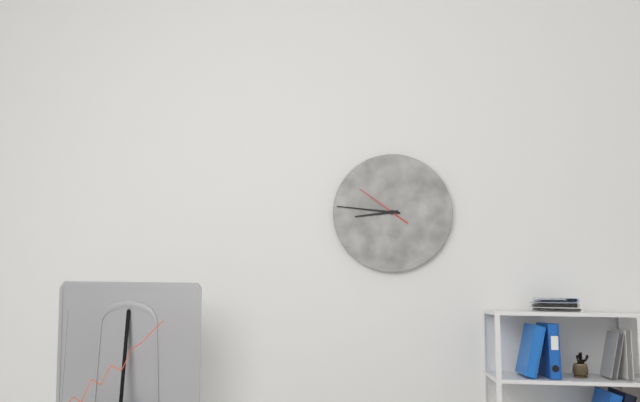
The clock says 8:46:51
